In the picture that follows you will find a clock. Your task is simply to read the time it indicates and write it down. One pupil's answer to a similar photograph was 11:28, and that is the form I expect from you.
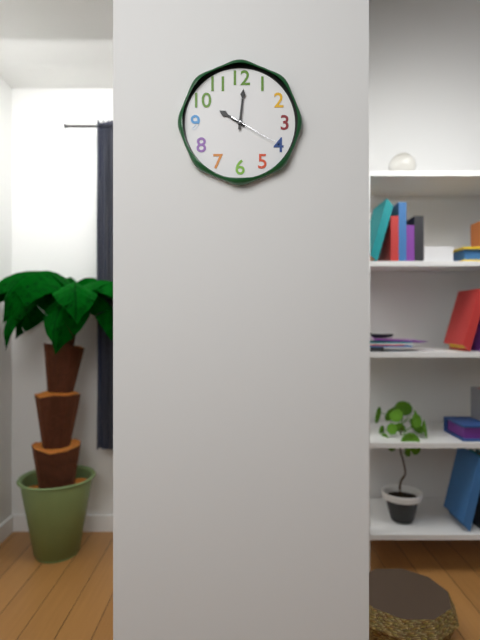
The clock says 10:01
